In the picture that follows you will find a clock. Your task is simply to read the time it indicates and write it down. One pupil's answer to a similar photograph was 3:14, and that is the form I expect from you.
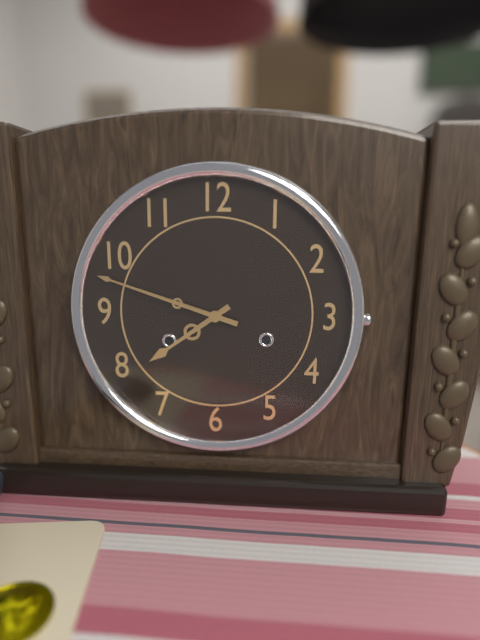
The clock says 7:48
